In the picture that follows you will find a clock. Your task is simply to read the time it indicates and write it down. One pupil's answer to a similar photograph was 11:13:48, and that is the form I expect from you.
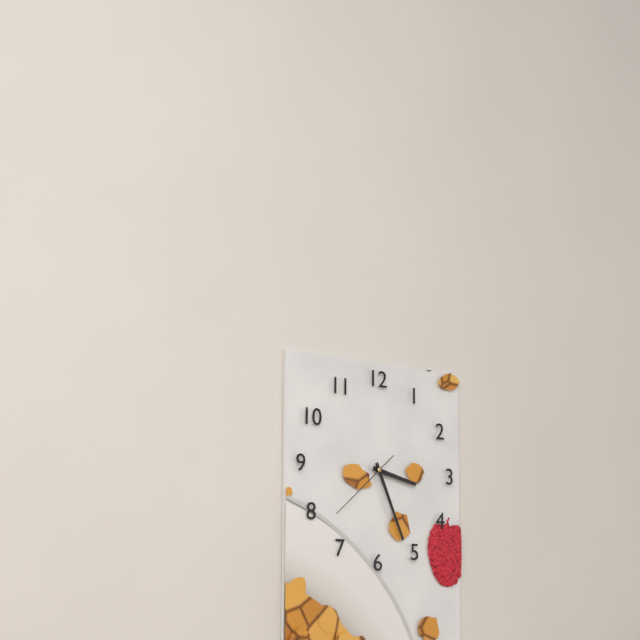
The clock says 3:26:38
